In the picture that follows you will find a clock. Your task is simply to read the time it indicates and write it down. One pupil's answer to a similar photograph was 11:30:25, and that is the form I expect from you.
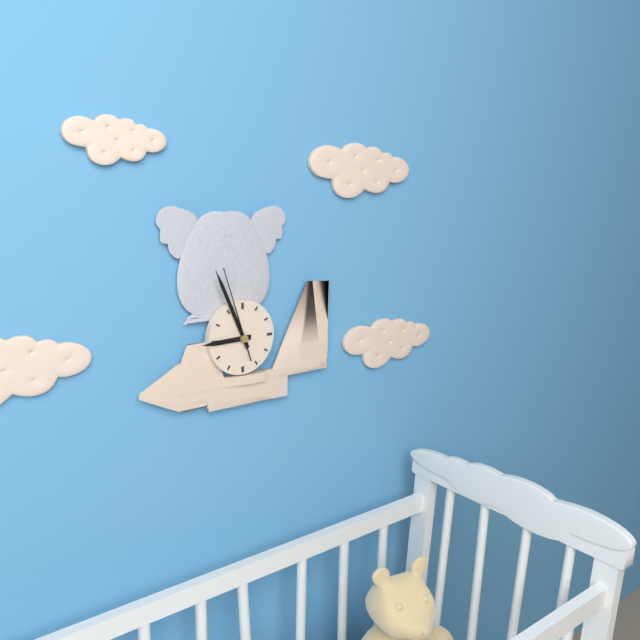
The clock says 8:56:57
